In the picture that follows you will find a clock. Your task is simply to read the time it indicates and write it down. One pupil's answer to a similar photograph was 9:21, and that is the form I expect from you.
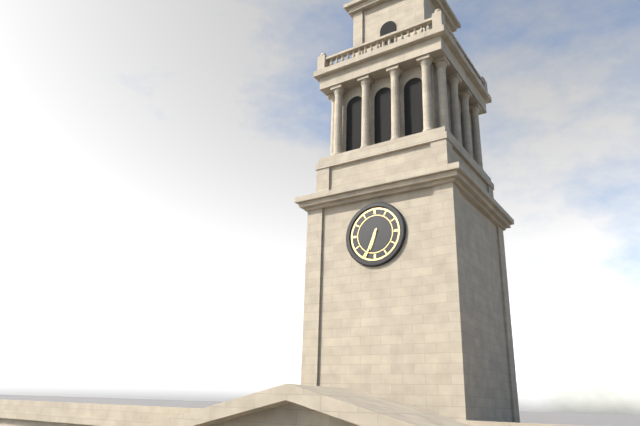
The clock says 6:34
